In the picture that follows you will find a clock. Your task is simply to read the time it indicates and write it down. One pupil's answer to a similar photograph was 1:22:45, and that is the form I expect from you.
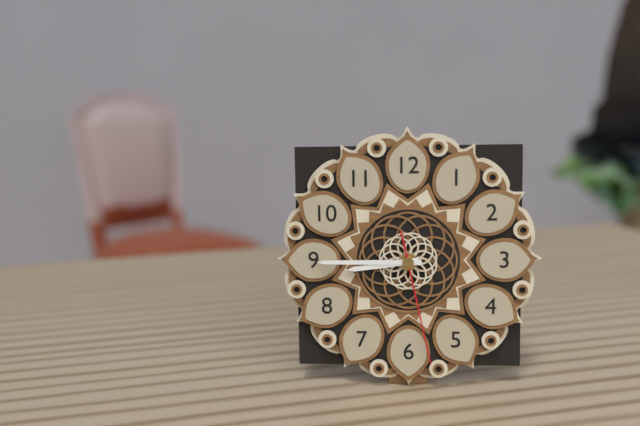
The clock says 8:45:28
